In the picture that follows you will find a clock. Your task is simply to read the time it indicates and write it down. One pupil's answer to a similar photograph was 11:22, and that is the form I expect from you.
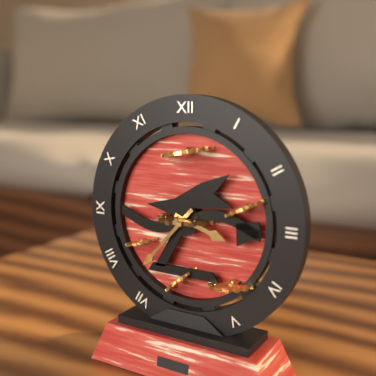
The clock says 3:37
